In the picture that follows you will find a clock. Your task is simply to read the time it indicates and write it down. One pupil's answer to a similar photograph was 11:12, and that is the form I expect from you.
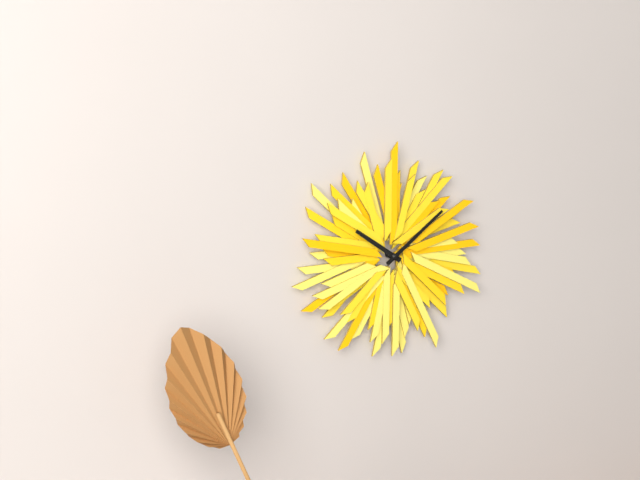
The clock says 10:09
